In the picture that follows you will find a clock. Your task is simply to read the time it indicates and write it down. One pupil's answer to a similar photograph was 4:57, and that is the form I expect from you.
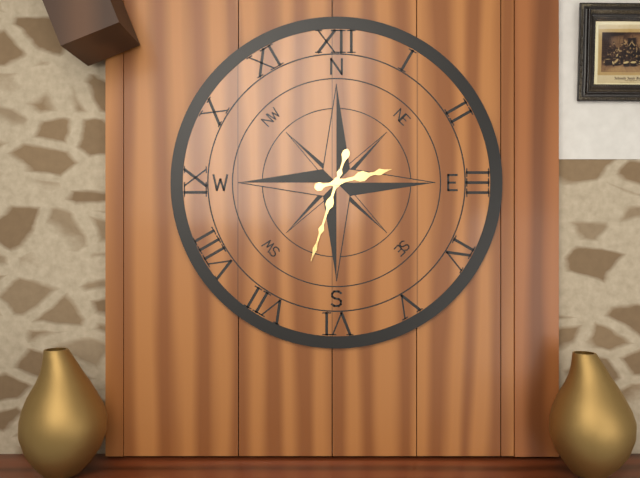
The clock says 2:33
